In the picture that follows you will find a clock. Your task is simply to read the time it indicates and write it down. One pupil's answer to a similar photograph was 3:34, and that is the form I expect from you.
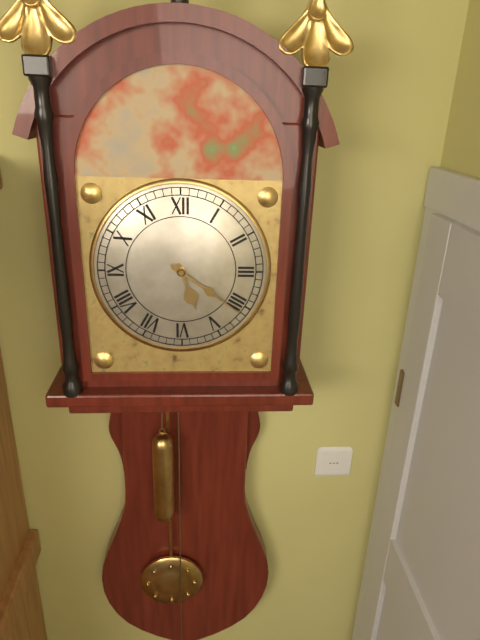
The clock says 5:21
